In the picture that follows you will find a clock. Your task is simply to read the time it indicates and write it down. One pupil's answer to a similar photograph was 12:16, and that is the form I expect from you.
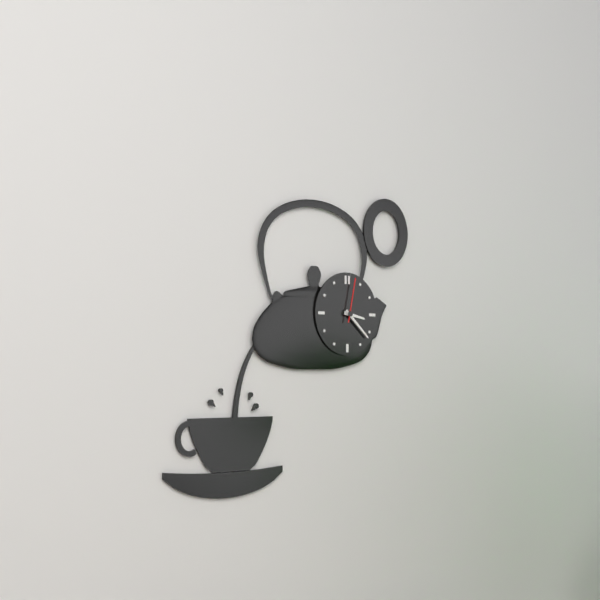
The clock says 3:22
